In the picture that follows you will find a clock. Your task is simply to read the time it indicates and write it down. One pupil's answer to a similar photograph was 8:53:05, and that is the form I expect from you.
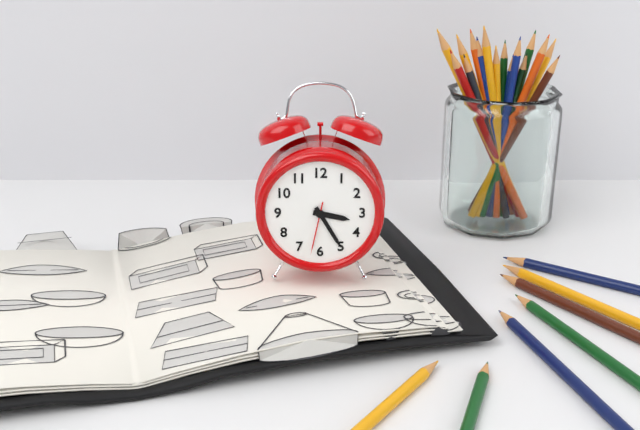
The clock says 3:25:32
